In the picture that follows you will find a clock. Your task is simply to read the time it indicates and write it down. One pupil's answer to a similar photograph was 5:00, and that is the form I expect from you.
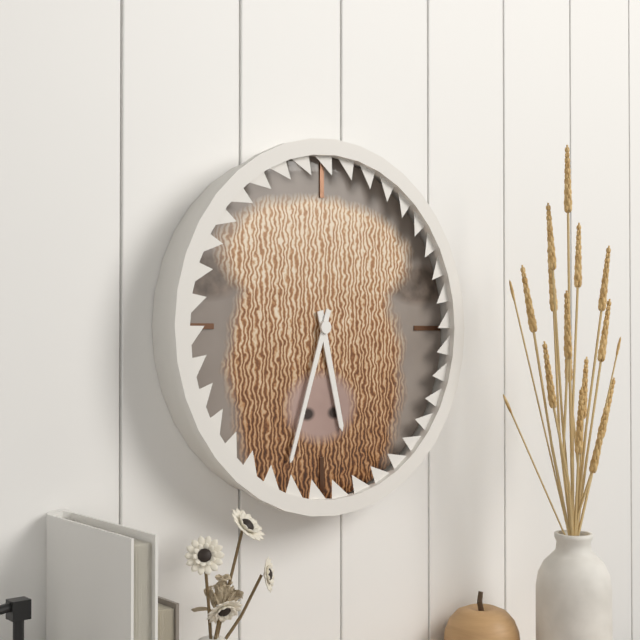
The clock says 5:33
